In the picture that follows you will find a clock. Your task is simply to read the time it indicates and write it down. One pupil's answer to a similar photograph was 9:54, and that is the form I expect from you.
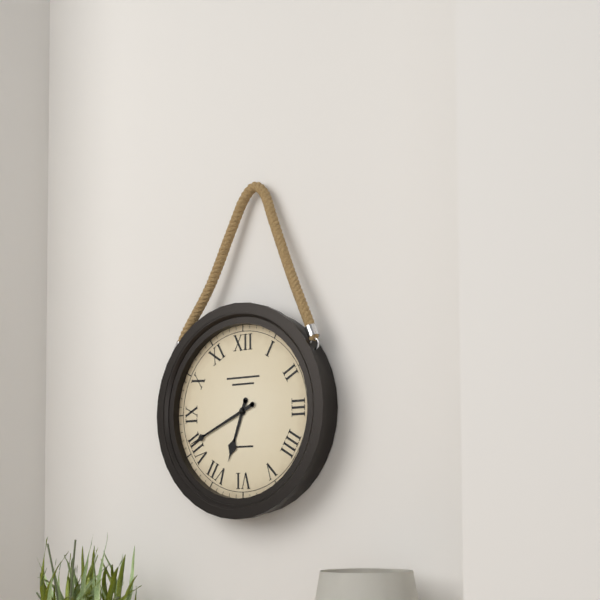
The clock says 6:41
